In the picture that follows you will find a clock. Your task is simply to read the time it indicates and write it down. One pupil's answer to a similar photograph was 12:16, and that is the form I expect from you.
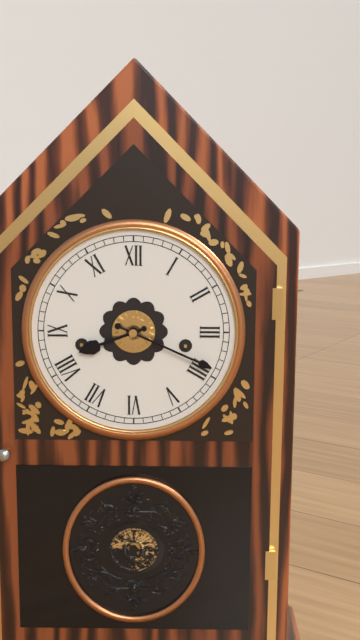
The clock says 8:19
